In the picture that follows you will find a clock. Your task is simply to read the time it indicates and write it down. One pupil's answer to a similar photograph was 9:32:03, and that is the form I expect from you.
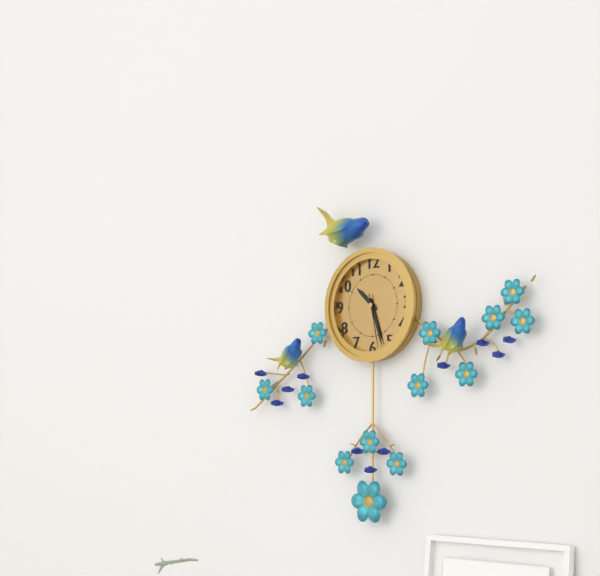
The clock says 10:27:28
